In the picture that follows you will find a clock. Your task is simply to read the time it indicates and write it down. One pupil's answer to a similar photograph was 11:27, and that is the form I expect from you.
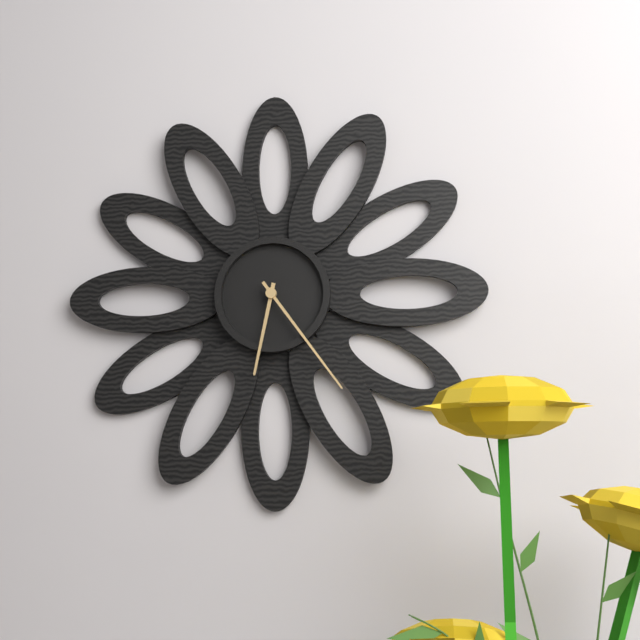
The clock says 6:24
